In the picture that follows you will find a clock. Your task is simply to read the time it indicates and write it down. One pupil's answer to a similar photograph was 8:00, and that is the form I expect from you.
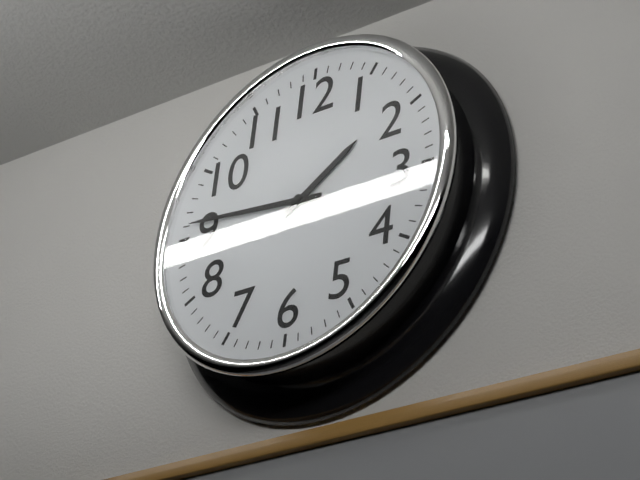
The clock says 1:46
